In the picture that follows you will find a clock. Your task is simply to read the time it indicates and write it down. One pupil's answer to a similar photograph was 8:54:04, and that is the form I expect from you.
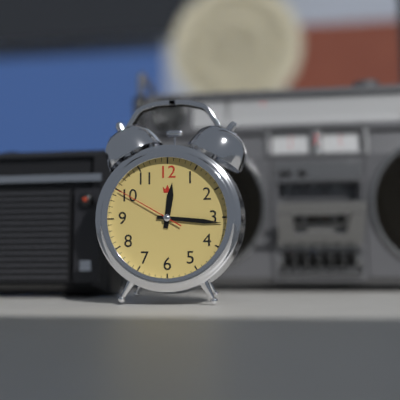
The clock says 12:16:50
